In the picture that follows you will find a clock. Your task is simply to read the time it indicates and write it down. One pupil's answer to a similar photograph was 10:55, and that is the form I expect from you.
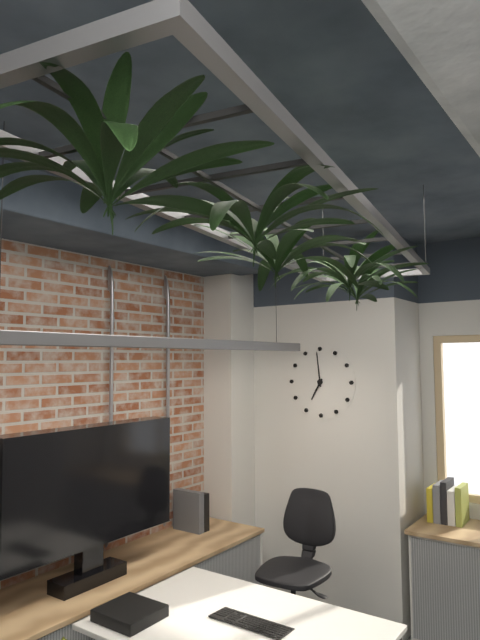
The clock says 6:59
